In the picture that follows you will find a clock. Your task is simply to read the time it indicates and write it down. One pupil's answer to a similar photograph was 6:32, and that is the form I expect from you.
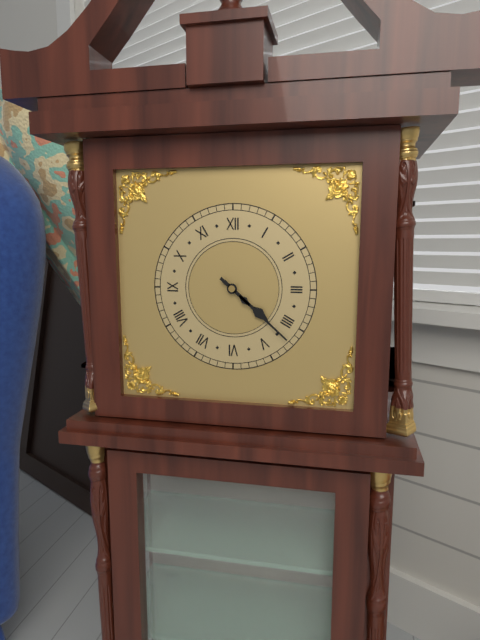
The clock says 4:22
